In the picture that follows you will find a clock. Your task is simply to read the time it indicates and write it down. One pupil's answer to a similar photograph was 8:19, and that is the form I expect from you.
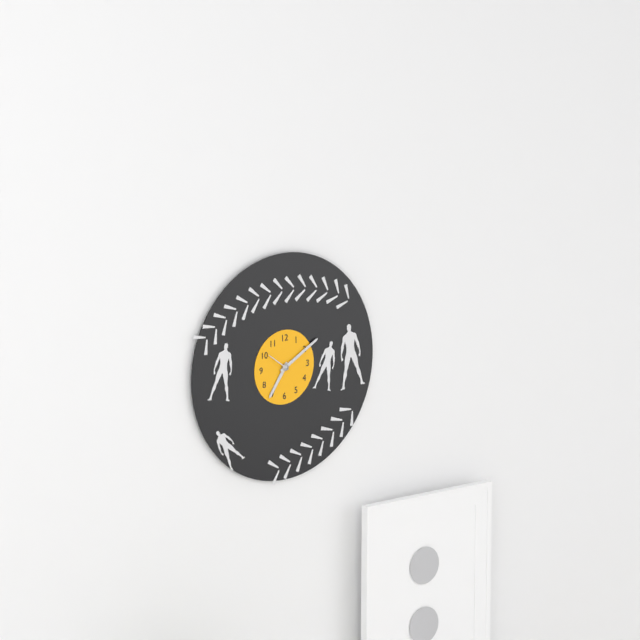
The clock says 7:10
